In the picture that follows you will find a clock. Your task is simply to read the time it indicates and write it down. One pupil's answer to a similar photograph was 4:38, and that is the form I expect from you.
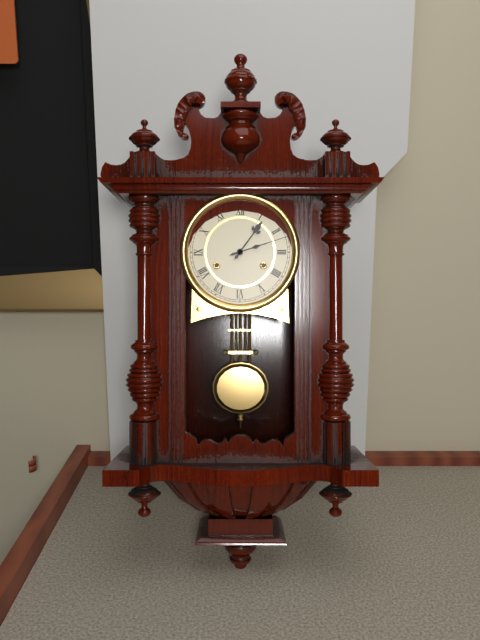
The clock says 1:12
